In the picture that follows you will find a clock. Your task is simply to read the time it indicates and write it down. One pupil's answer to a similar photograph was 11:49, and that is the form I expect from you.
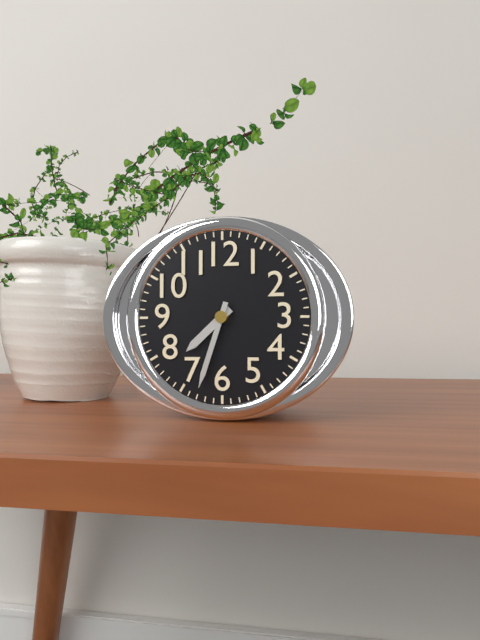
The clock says 7:33
